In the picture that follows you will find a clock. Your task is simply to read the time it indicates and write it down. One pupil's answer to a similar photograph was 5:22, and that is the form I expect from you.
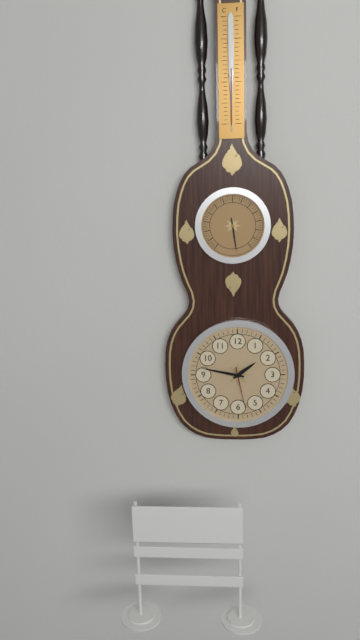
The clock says 1:47
